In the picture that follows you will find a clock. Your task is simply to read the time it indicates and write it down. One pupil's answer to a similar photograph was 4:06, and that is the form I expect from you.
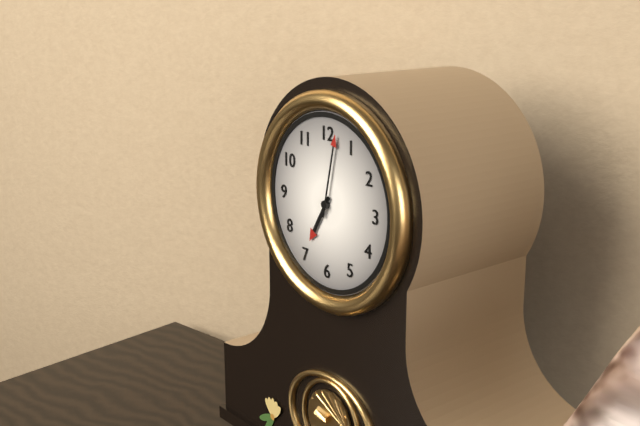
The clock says 7:02
